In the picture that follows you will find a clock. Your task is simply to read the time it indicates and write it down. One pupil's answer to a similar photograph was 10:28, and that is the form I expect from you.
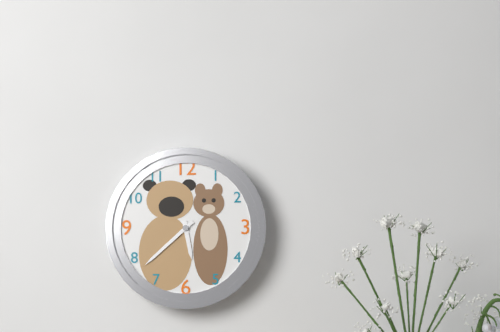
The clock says 5:38
